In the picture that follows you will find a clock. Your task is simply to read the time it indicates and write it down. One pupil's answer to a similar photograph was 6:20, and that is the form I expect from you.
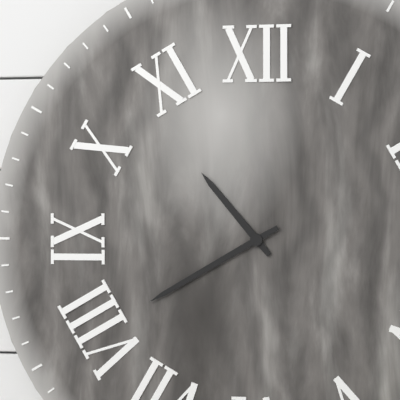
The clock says 10:40
